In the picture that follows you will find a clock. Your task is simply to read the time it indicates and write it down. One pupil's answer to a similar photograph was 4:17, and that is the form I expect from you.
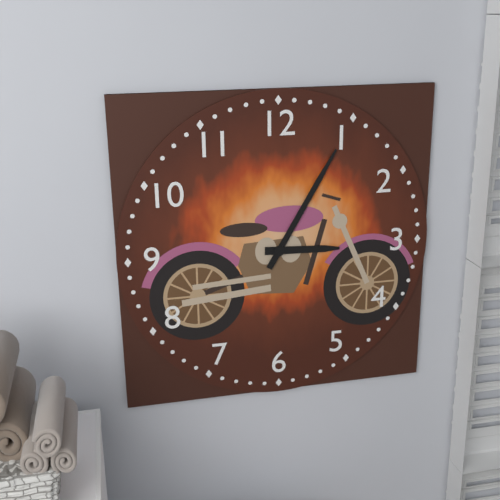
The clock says 3:05
